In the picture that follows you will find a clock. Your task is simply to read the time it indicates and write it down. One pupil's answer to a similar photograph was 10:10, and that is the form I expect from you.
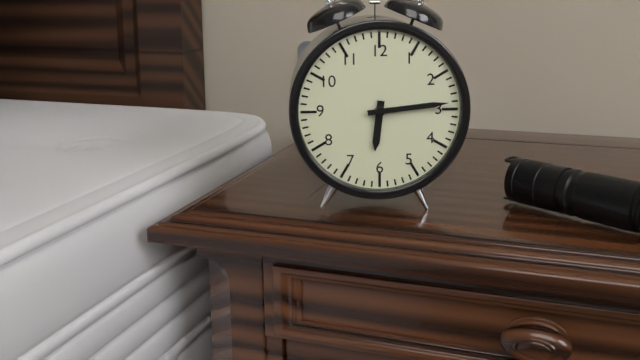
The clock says 6:14
